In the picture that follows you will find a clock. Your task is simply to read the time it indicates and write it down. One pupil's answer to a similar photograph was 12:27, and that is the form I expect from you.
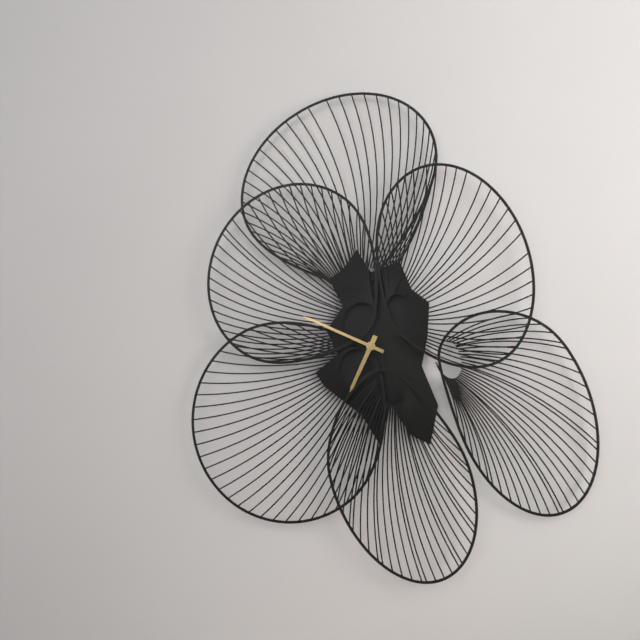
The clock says 6:49
